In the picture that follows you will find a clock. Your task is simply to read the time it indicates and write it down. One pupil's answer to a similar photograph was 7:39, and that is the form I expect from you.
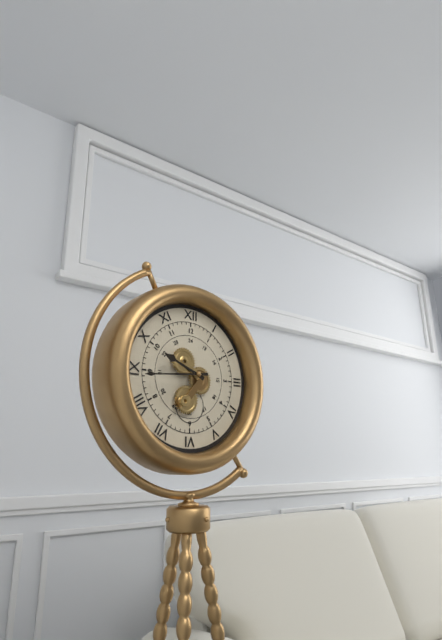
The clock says 9:44
